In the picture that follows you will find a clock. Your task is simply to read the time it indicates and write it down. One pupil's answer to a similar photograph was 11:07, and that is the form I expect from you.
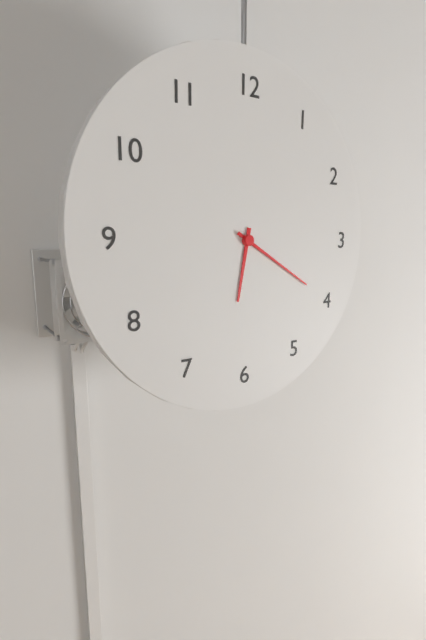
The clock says 6:20
